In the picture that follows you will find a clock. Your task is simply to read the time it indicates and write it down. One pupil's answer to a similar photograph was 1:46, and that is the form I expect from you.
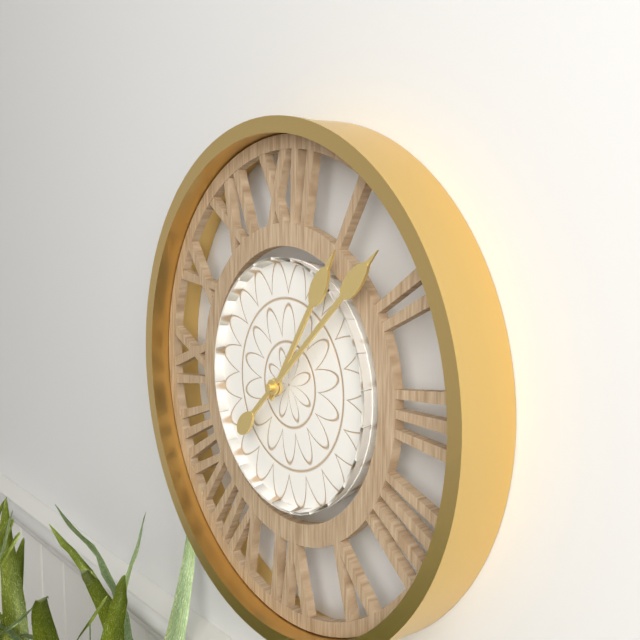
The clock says 1:08
